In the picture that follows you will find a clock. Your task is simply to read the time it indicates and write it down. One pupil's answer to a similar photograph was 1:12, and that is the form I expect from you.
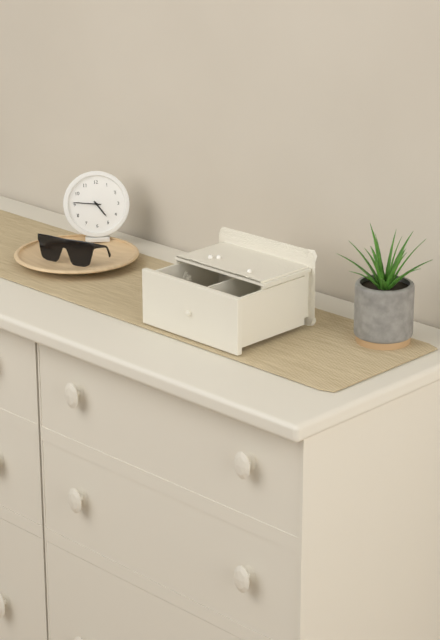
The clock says 4:46
